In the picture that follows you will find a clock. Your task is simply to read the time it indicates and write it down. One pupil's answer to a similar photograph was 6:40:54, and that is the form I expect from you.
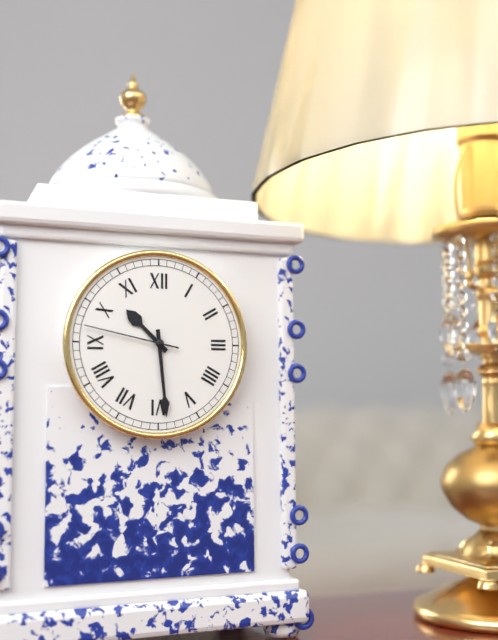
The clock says 10:29:47
